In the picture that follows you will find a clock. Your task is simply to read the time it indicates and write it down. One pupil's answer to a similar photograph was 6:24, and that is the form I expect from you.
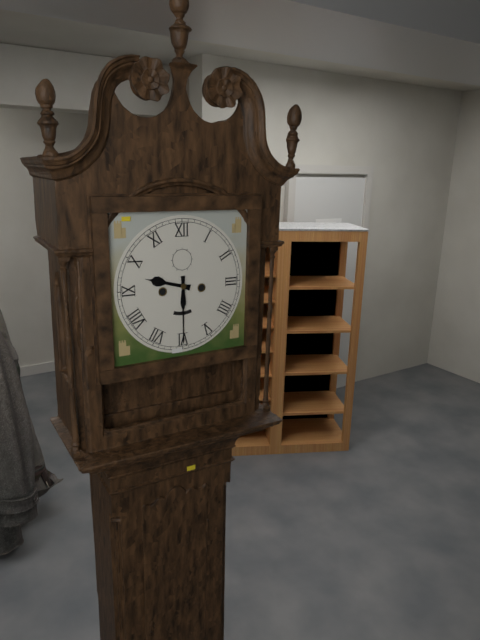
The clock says 9:30
